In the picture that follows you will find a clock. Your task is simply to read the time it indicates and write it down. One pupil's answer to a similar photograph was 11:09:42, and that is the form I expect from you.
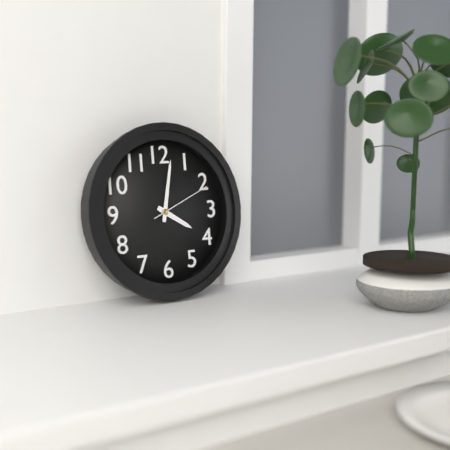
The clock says 4:02:11
